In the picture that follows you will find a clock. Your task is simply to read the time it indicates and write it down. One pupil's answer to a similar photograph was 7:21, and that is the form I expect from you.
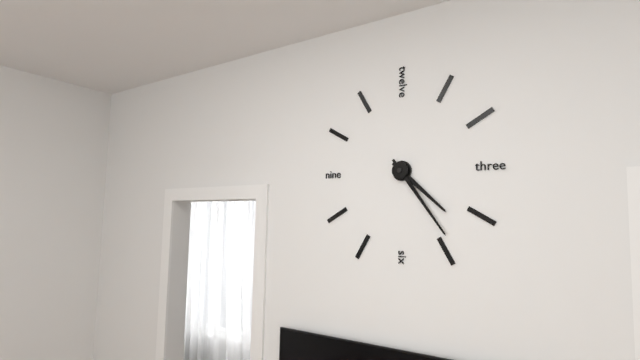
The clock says 4:24
